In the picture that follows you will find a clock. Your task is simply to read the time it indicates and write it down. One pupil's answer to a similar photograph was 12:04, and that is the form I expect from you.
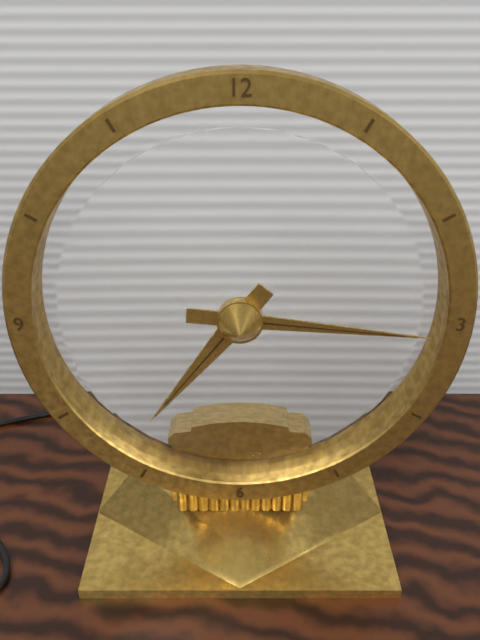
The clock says 7:16
